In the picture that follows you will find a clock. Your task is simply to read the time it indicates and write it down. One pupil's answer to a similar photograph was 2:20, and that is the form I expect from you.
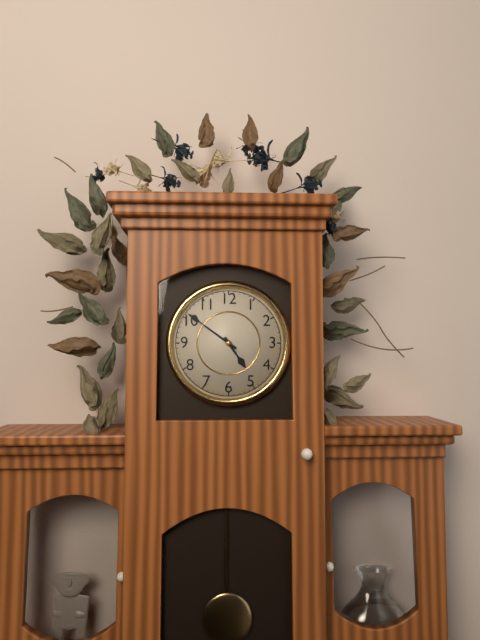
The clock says 4:51
